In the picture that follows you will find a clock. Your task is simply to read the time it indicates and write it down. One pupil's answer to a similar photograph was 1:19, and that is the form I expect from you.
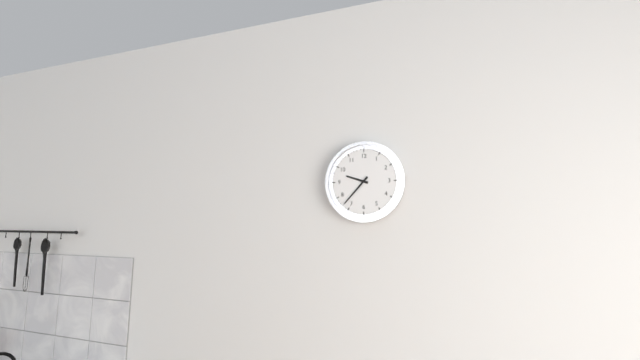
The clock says 9:37
